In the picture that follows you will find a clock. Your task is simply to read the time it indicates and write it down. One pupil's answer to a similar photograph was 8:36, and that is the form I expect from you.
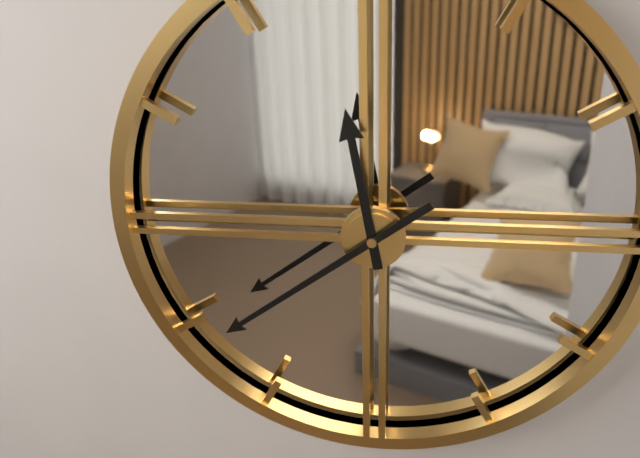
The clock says 11:39
